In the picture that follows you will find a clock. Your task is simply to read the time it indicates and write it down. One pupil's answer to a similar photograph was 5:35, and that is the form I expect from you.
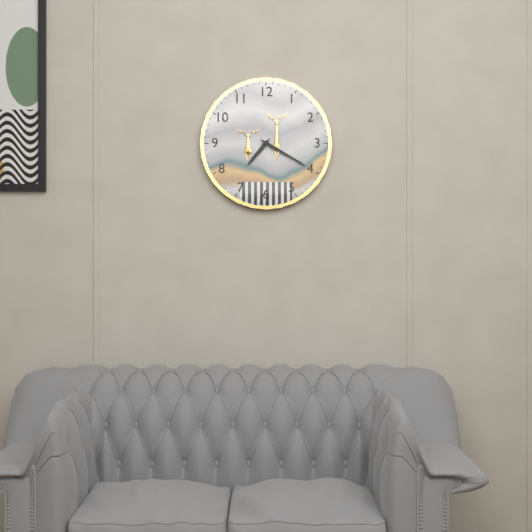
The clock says 7:20
